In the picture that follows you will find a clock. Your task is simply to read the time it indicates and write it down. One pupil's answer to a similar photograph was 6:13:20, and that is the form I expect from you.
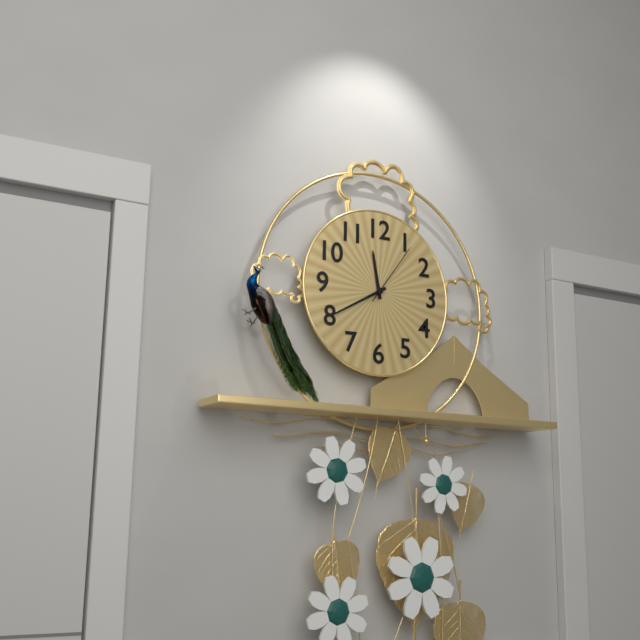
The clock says 11:40:06
